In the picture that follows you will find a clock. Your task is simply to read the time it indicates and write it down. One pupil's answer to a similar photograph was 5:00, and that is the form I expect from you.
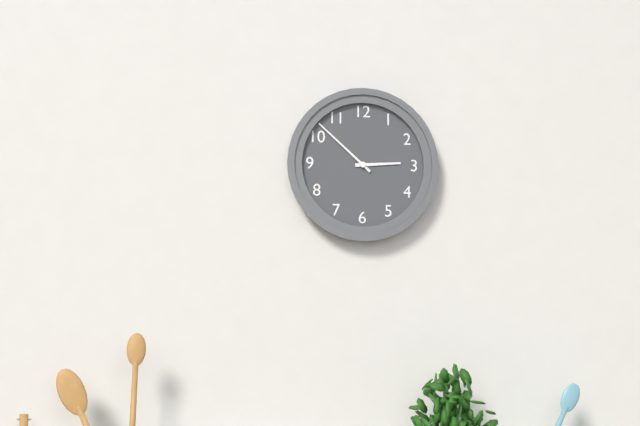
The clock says 2:52
